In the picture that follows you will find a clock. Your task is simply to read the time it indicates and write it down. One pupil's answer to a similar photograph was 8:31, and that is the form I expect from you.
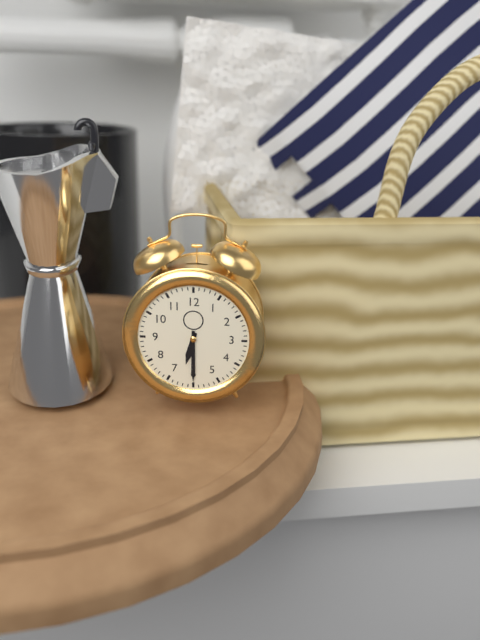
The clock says 6:30
